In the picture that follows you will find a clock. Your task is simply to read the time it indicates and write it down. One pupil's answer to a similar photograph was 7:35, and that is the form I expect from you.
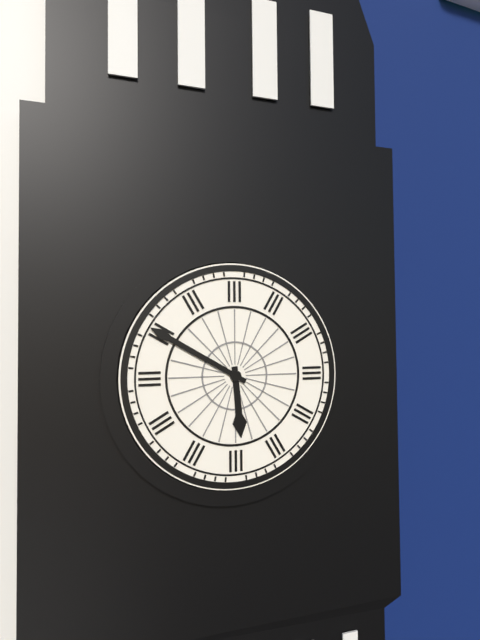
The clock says 5:50
